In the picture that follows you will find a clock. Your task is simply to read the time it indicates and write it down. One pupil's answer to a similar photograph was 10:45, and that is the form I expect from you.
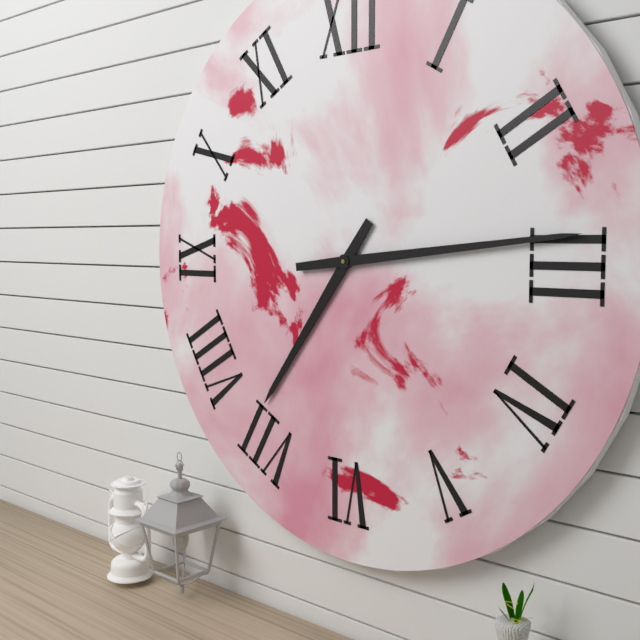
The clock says 7:14
